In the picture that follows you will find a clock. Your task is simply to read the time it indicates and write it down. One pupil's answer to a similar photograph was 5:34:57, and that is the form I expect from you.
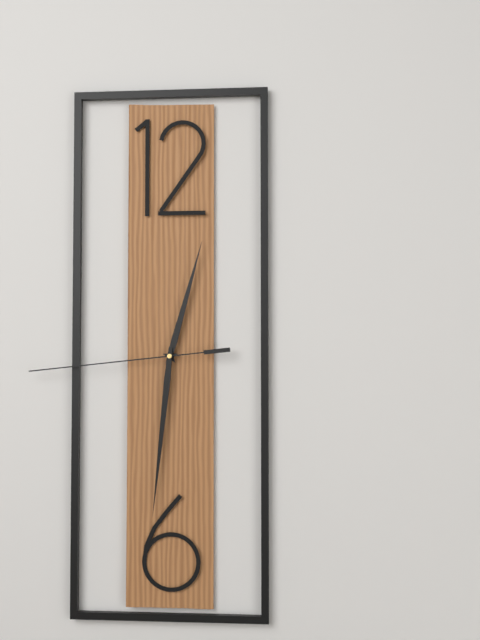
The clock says 12:31:44
